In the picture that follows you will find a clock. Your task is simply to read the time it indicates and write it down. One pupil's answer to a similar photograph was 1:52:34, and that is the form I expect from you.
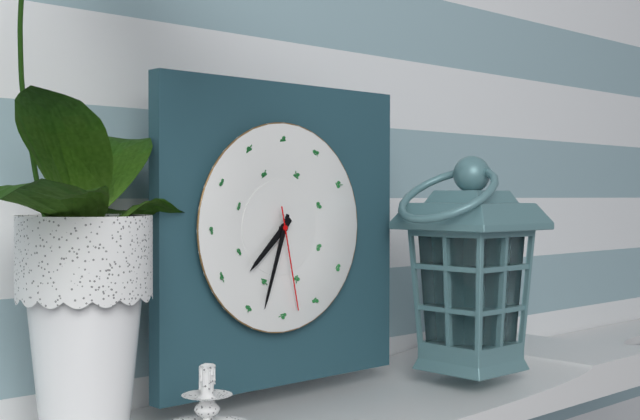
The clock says 7:33:28
